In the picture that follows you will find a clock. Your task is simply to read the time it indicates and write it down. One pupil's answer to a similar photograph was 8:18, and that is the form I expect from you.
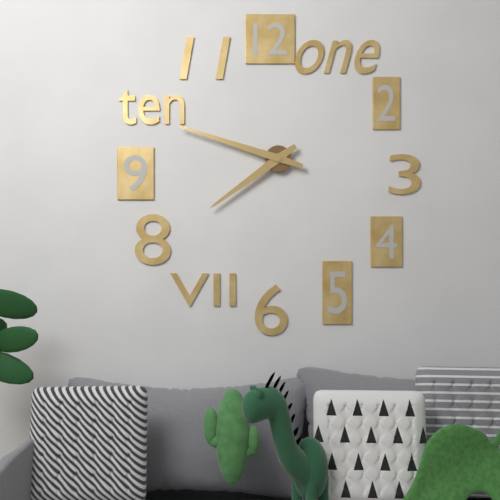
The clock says 7:48
